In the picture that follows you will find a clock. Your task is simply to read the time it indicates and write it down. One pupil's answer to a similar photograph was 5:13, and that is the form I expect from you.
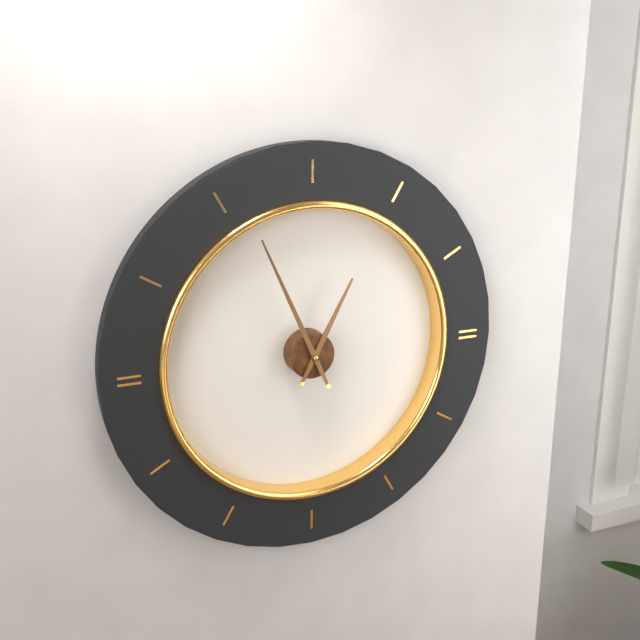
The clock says 12:56
